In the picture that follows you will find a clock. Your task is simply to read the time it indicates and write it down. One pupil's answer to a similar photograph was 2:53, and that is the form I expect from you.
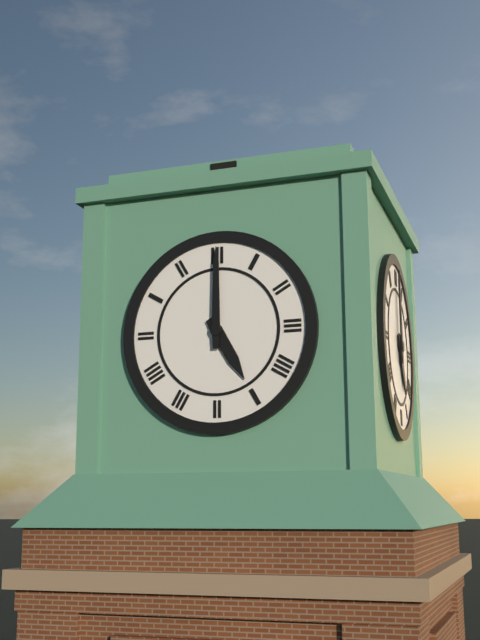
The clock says 5:00
